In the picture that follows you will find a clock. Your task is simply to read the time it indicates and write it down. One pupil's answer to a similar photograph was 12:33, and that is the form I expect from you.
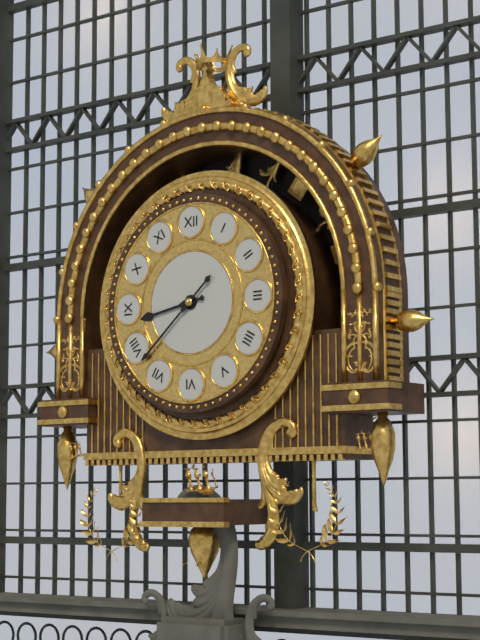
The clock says 8:38
